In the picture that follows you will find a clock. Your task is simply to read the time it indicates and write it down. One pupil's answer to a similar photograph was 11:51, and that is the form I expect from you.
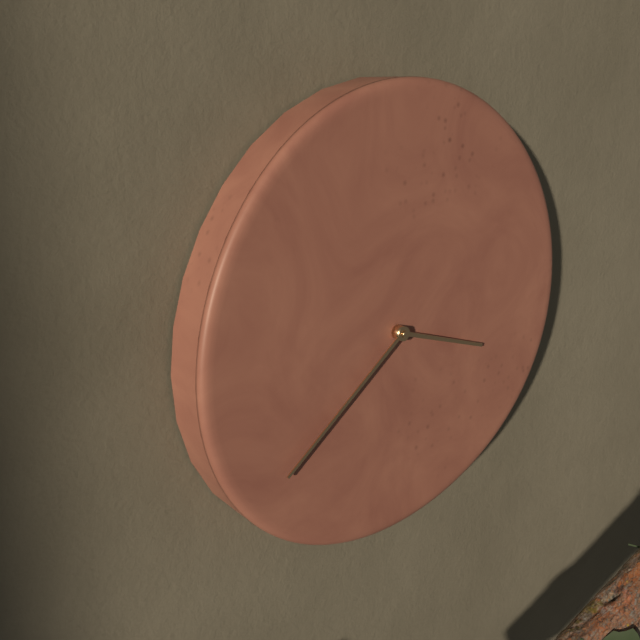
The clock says 3:39
